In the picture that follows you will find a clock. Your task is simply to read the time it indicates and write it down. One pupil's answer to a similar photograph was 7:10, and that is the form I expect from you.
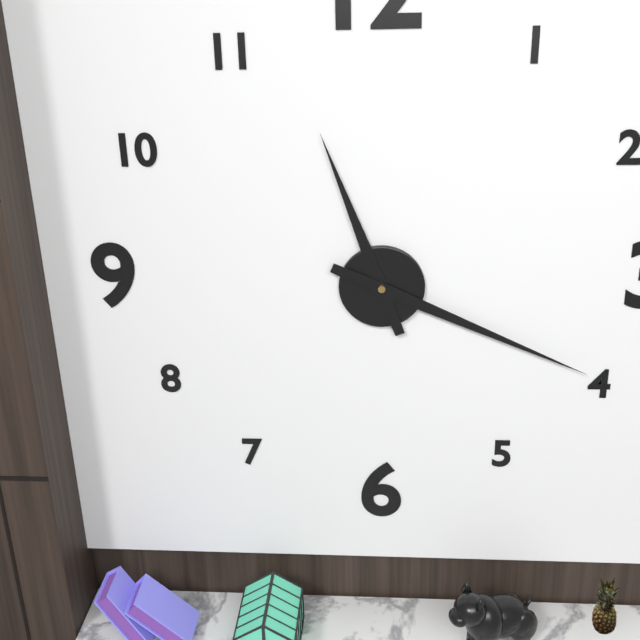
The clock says 11:19
